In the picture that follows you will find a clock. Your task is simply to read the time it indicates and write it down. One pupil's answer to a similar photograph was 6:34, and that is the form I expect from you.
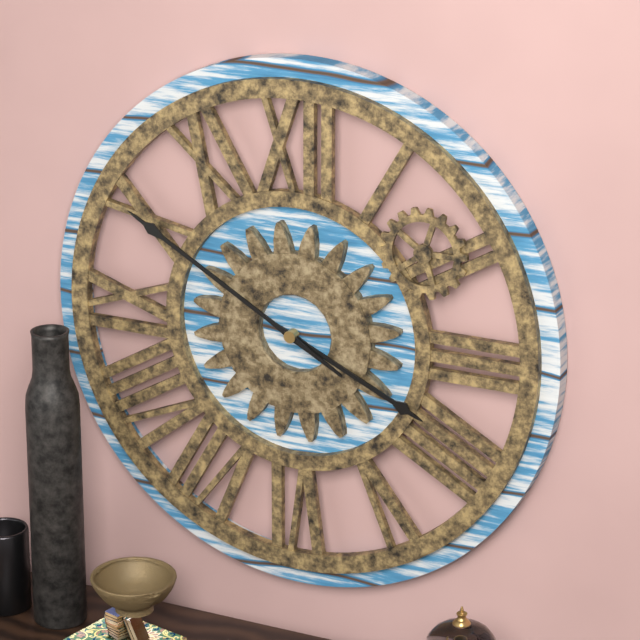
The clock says 3:50
